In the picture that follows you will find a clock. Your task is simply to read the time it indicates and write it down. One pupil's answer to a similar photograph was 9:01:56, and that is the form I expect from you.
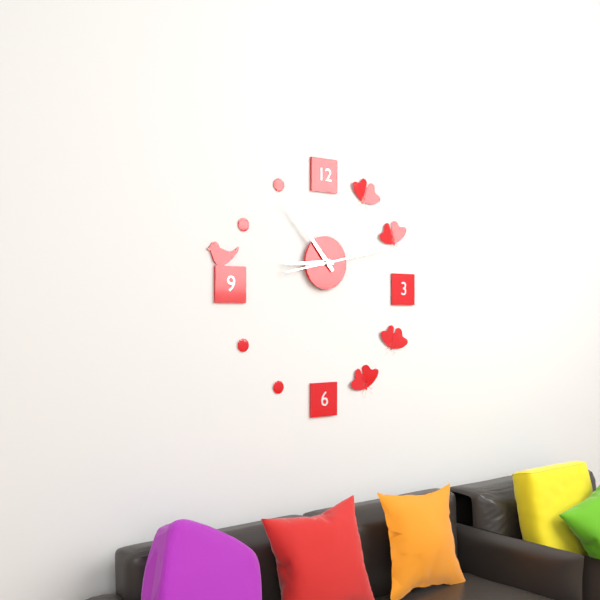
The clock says 8:53:13
